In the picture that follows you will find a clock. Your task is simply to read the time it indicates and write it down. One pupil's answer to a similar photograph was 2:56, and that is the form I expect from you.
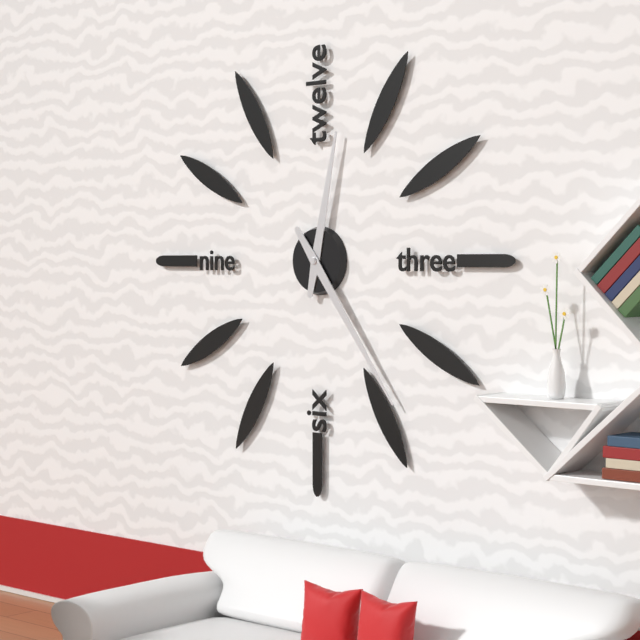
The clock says 12:24
